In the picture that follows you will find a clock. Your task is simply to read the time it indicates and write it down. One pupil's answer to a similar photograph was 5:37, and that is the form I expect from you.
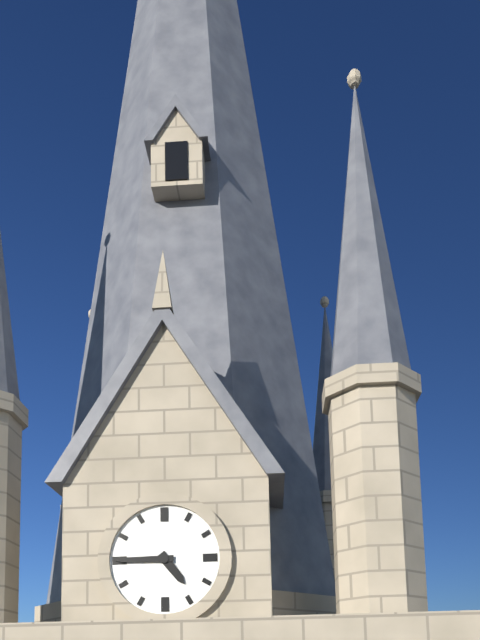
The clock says 4:45
